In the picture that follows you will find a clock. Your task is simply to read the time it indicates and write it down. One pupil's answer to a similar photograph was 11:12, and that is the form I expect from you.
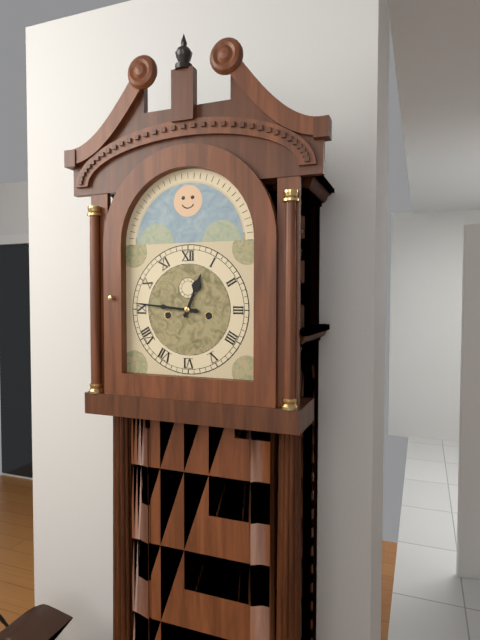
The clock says 12:46
